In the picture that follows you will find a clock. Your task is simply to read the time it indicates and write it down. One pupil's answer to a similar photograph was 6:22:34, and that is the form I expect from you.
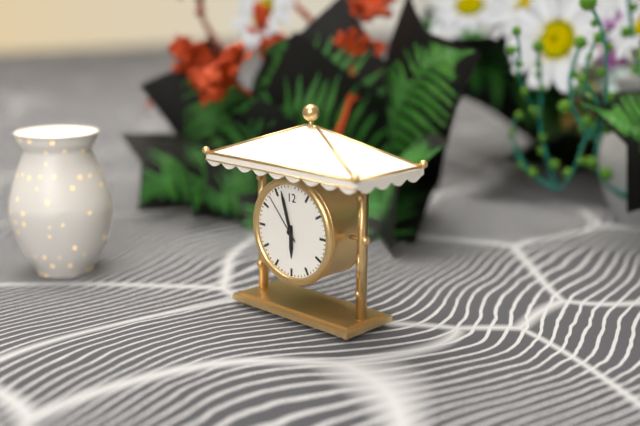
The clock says 5:57:53
